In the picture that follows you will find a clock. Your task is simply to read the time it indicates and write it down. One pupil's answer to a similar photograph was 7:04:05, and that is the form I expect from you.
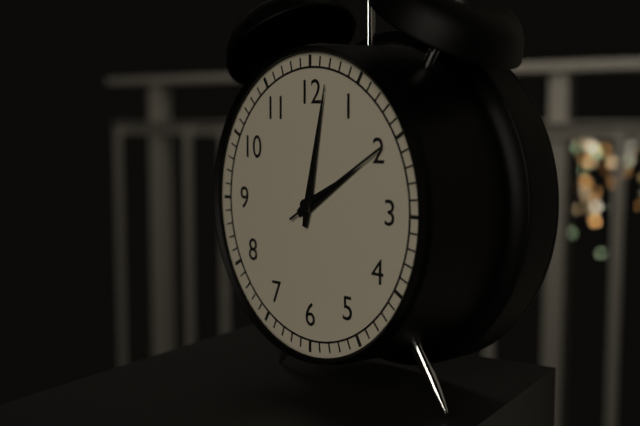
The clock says 2:02:10
